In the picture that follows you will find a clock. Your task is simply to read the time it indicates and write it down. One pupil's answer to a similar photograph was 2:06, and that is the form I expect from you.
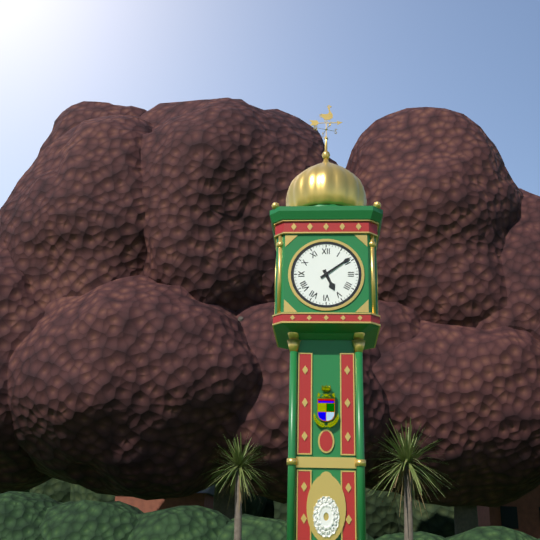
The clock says 5:09
